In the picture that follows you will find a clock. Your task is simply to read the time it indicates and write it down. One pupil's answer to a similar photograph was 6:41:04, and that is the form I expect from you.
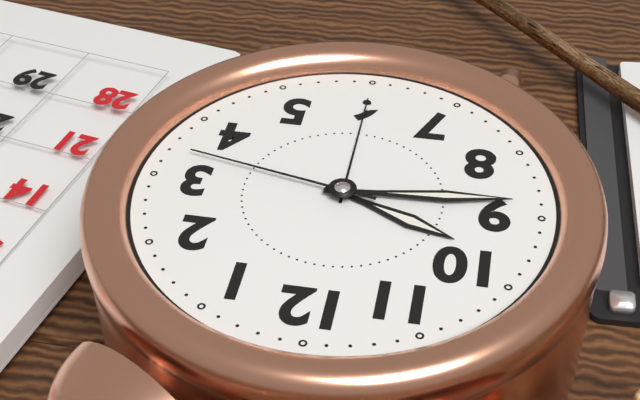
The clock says 9:44:17
